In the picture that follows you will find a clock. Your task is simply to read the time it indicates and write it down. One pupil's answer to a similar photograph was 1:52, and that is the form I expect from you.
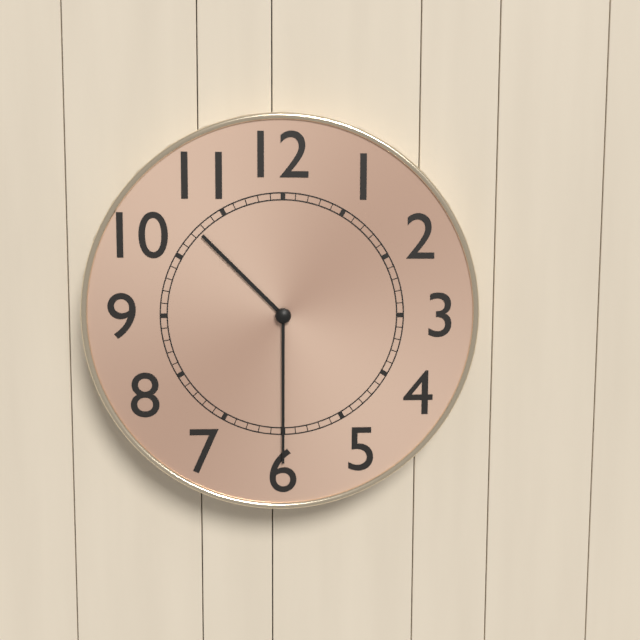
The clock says 10:30
